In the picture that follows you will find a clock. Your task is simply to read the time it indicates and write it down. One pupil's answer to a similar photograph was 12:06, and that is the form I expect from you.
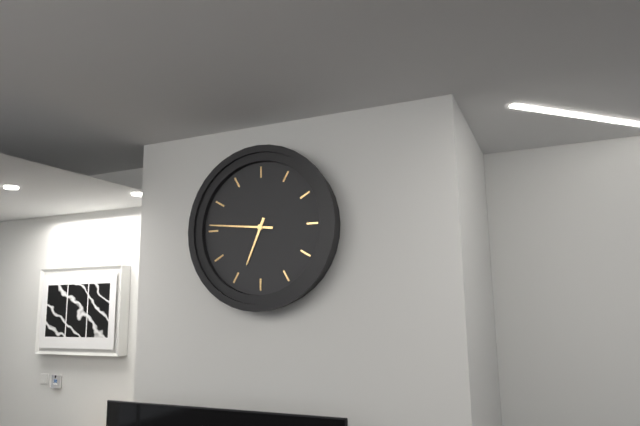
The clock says 6:46
